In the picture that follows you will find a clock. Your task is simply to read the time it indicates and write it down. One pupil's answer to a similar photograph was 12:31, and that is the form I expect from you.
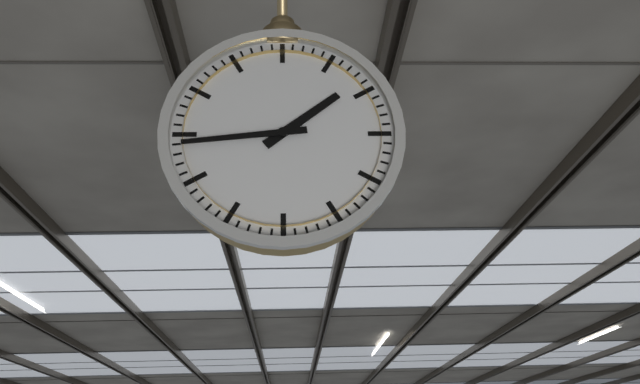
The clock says 1:44
